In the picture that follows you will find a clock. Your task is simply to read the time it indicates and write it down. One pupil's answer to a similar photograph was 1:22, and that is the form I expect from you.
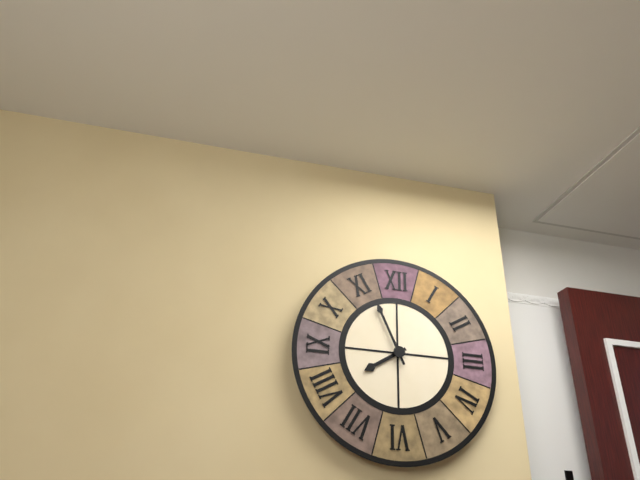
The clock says 7:56
